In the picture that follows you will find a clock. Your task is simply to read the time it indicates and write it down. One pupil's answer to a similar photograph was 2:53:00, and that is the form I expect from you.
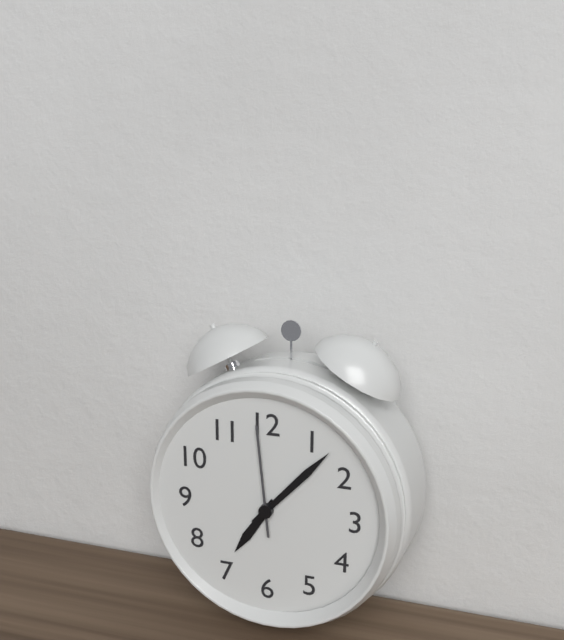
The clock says 7:07:59
